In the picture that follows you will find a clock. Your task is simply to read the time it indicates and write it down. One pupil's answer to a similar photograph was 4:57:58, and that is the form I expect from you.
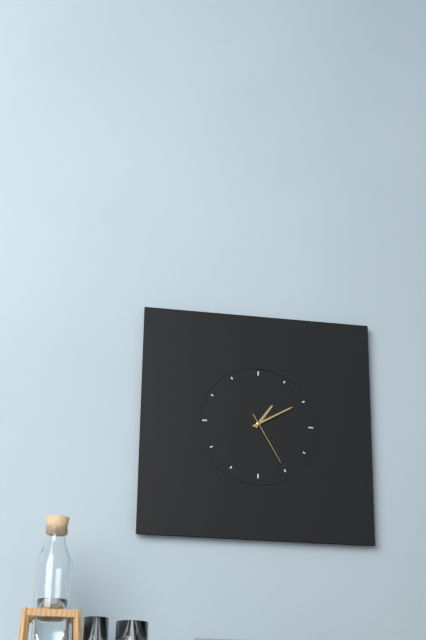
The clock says 1:10:25
